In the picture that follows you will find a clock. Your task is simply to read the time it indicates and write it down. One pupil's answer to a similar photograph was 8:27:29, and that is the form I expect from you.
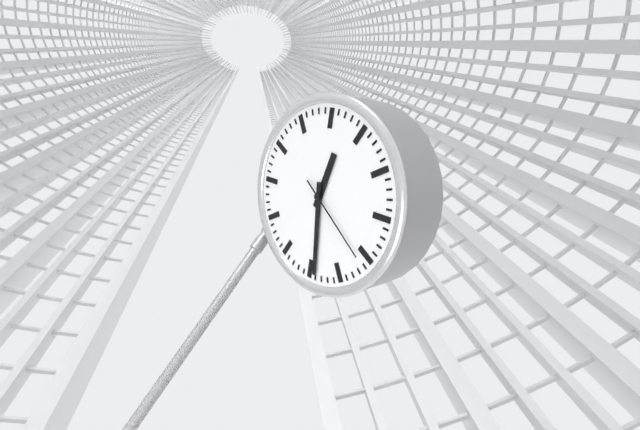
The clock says 12:29:21
